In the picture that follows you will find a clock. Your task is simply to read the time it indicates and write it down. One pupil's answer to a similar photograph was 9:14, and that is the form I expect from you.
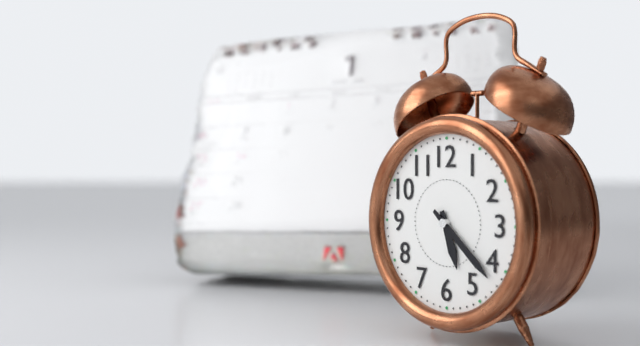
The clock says 5:22
